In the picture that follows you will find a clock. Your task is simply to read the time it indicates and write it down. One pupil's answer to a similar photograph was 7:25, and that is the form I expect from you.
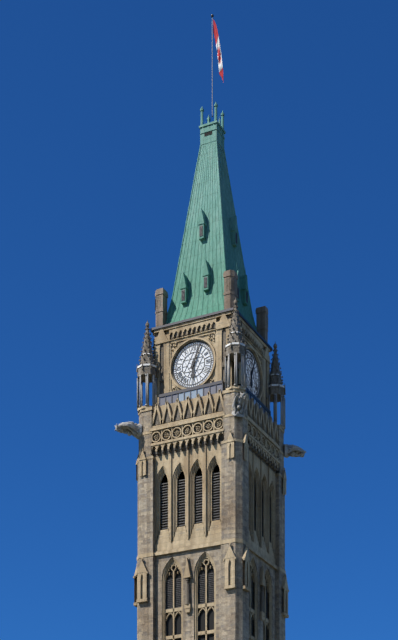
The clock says 6:04
